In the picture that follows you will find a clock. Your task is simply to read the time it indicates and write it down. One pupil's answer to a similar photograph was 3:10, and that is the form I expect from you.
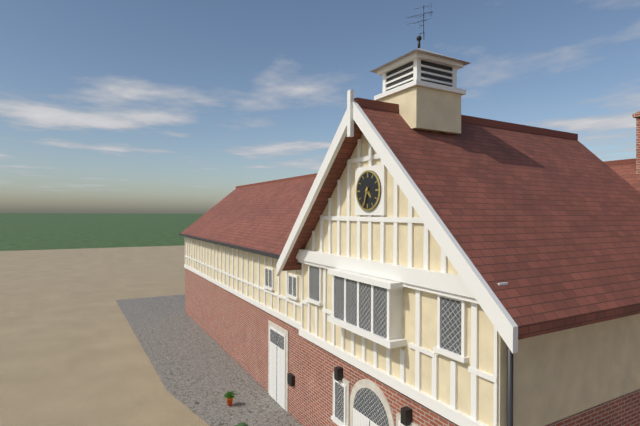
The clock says 4:33
